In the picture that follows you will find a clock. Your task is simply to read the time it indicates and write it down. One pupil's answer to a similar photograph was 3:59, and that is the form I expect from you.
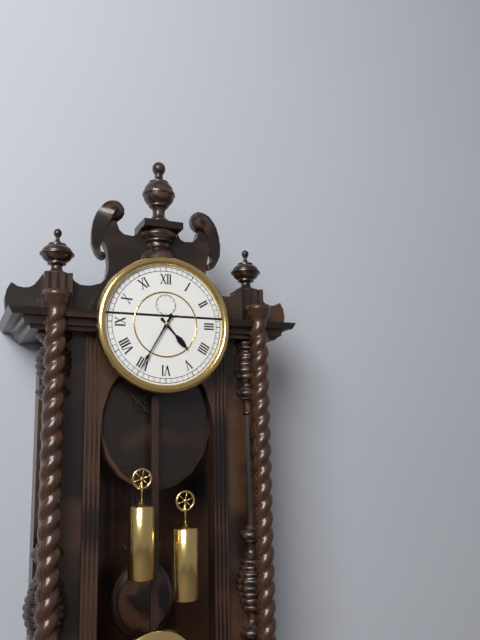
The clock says 4:35
